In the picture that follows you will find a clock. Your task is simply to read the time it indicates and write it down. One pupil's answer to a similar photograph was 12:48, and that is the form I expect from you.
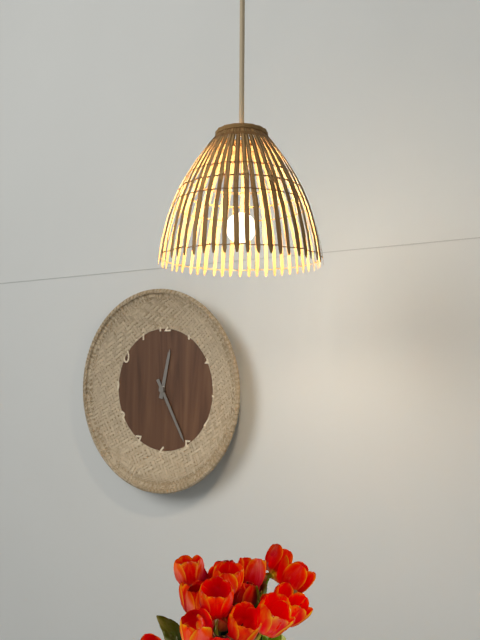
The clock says 12:25
